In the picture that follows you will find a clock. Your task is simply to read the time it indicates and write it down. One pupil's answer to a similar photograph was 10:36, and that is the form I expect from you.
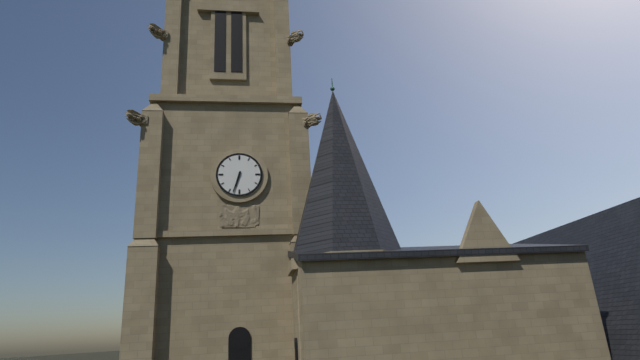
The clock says 6:33
